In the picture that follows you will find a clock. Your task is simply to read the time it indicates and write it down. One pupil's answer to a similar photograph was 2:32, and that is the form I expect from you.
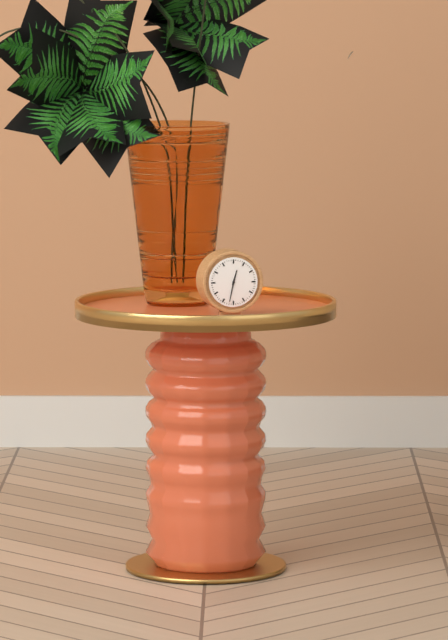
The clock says 12:32
